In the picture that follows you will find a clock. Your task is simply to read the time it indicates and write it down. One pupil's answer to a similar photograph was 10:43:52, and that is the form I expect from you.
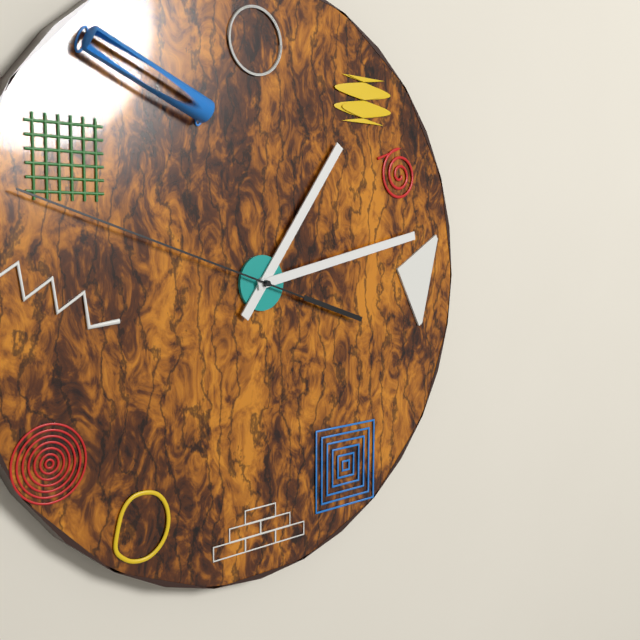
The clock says 1:13:48
